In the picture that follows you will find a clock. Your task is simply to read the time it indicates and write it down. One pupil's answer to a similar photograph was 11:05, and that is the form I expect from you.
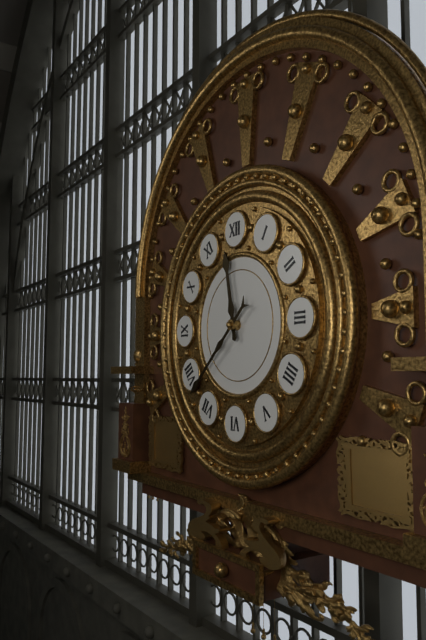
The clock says 11:38
